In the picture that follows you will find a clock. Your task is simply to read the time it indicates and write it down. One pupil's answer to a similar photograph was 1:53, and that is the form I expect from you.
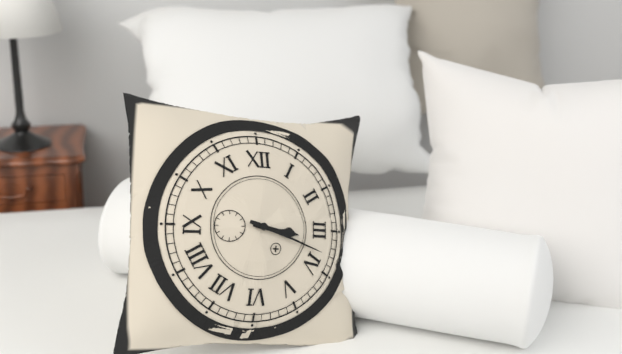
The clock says 3:18
